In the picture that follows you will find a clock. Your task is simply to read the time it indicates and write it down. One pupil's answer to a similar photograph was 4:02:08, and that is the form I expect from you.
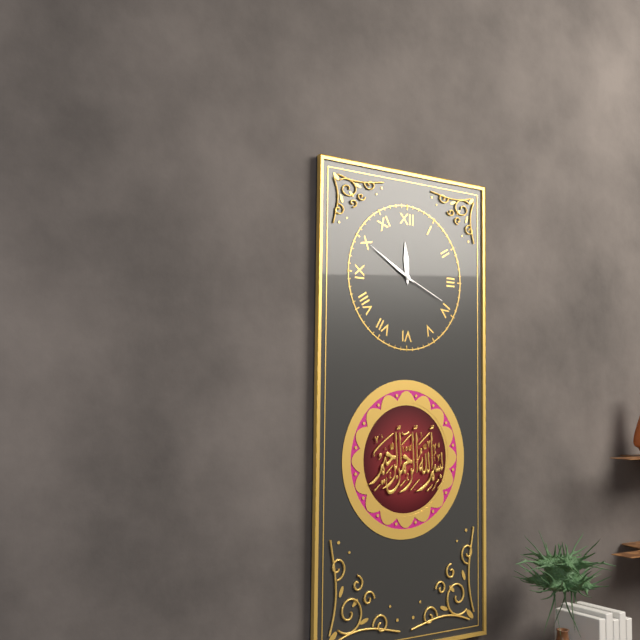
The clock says 11:50:19
